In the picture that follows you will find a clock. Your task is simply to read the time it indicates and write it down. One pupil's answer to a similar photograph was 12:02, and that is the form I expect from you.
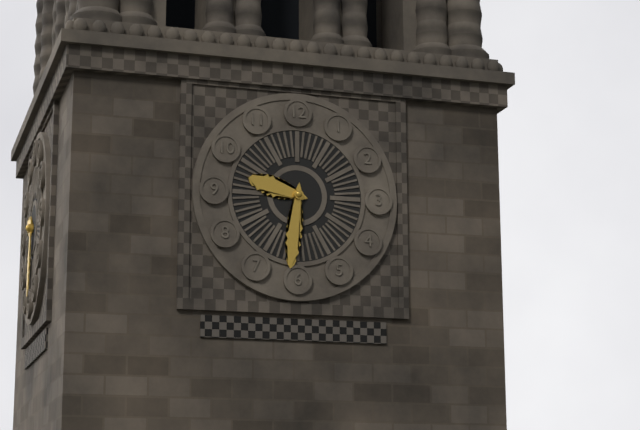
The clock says 9:31
